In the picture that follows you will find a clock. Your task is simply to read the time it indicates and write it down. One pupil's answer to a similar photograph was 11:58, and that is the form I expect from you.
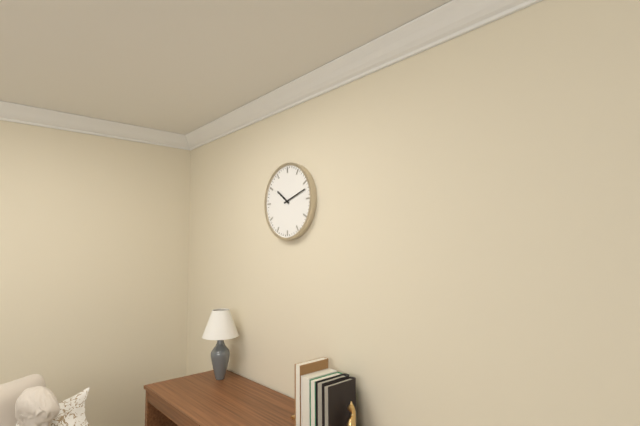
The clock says 10:12
